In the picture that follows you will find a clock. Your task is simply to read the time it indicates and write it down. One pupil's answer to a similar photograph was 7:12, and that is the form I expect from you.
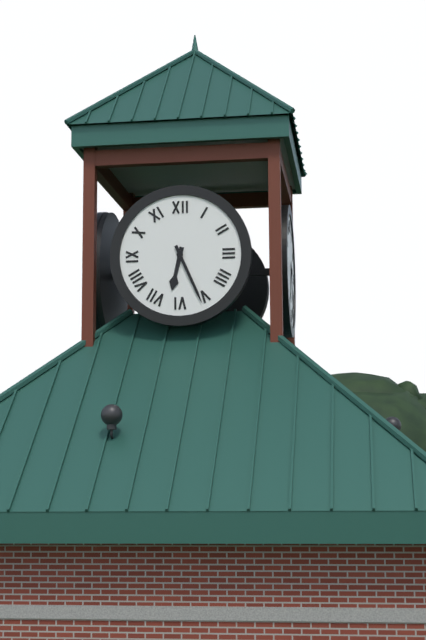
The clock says 6:26
